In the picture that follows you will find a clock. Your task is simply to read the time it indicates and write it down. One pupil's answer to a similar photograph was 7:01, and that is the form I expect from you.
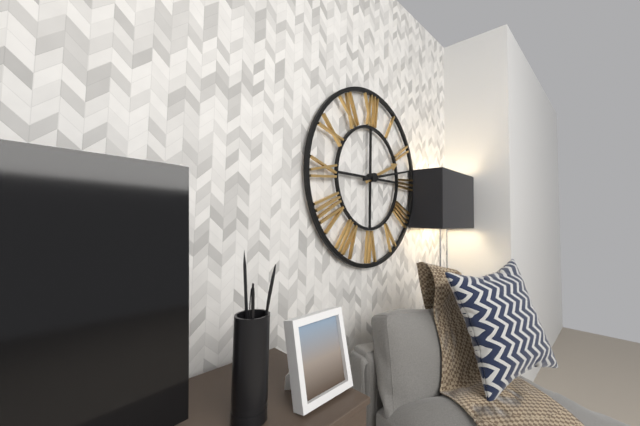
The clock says 2:13
